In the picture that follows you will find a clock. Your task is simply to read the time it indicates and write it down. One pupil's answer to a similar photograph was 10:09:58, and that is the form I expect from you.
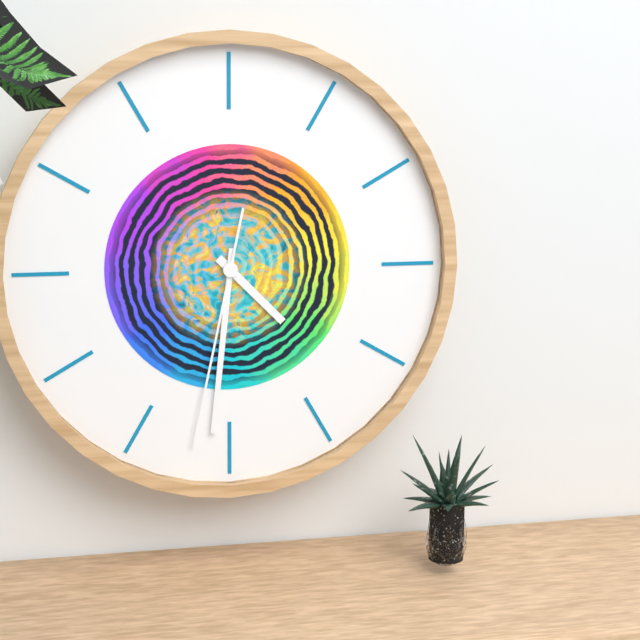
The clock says 4:31:32
